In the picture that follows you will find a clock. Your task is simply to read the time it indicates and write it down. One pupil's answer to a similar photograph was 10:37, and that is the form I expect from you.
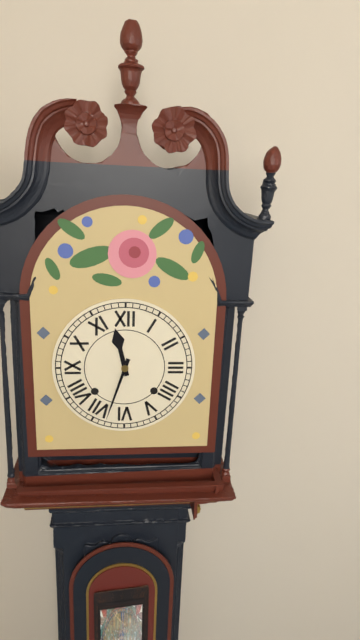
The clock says 11:33
